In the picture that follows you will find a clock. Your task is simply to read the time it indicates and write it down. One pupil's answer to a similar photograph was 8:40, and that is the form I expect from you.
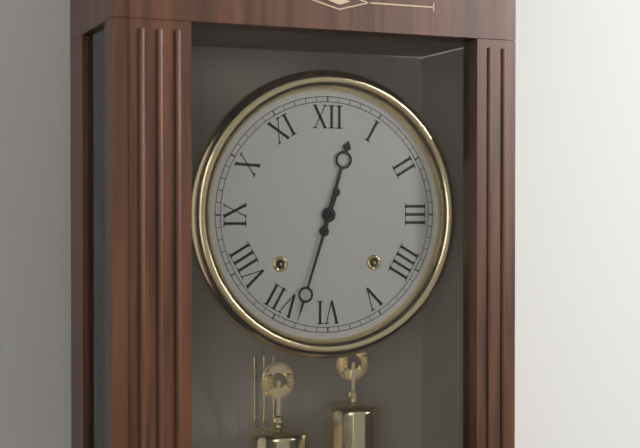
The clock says 12:33
